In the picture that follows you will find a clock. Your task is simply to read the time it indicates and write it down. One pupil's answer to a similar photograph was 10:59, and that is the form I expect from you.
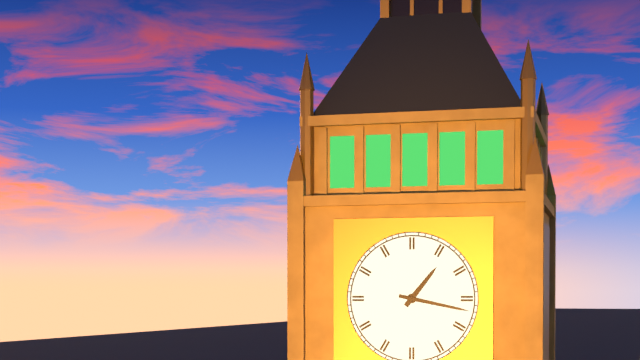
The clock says 1:17
